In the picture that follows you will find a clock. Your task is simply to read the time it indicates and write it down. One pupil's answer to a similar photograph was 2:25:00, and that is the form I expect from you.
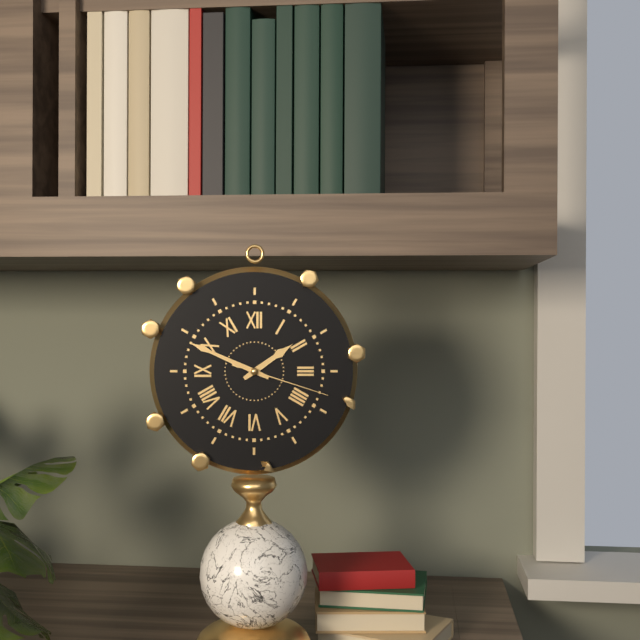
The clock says 1:49:18
